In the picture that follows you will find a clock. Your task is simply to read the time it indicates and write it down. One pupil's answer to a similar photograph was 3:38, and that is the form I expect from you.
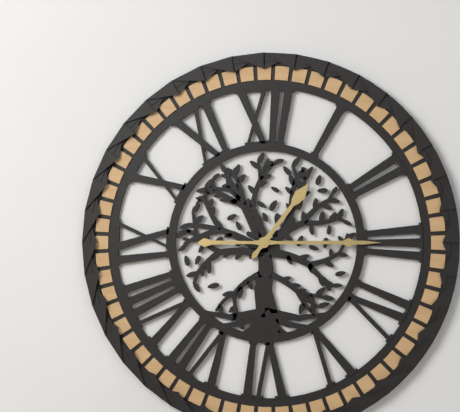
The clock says 1:15
